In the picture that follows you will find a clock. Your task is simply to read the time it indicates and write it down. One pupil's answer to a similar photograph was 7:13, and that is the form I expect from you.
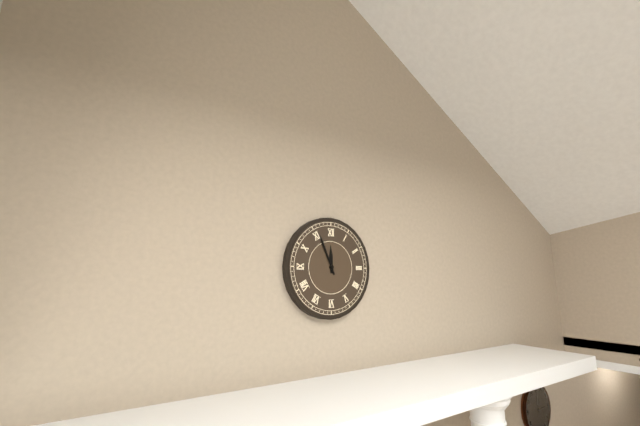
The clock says 11:56
